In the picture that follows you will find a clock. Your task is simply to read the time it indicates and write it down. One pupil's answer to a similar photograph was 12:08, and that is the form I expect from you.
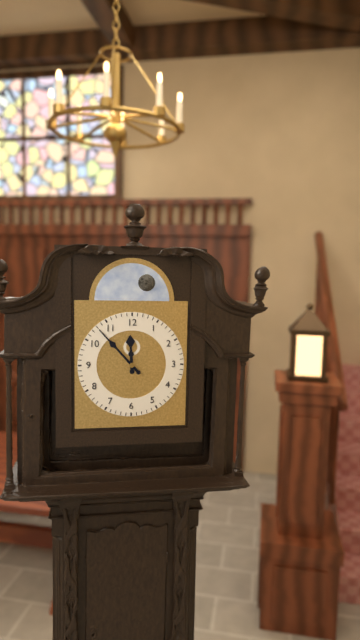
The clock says 11:53
